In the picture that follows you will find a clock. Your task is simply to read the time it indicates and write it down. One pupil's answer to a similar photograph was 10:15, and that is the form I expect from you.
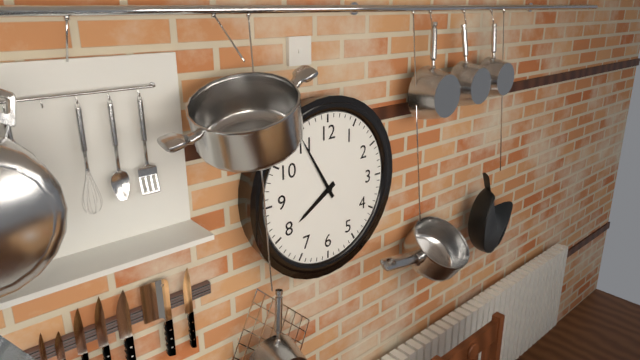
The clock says 7:55
